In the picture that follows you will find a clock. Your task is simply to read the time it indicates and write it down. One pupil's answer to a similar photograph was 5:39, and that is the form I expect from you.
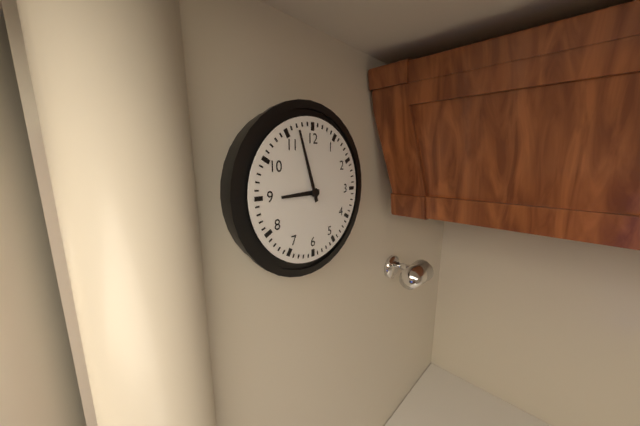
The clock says 8:57
